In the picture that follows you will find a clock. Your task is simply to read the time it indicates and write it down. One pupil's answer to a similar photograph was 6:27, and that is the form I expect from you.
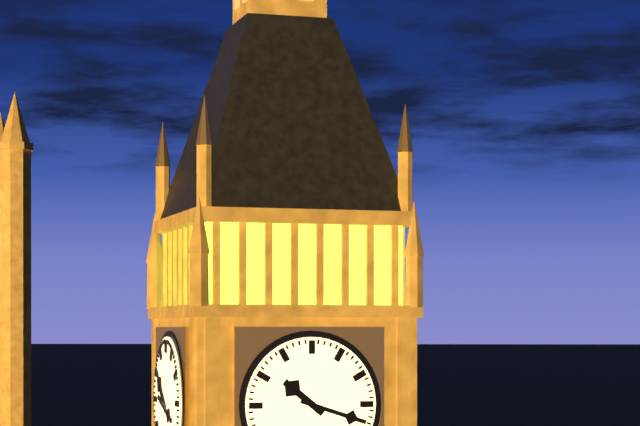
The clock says 10:18
